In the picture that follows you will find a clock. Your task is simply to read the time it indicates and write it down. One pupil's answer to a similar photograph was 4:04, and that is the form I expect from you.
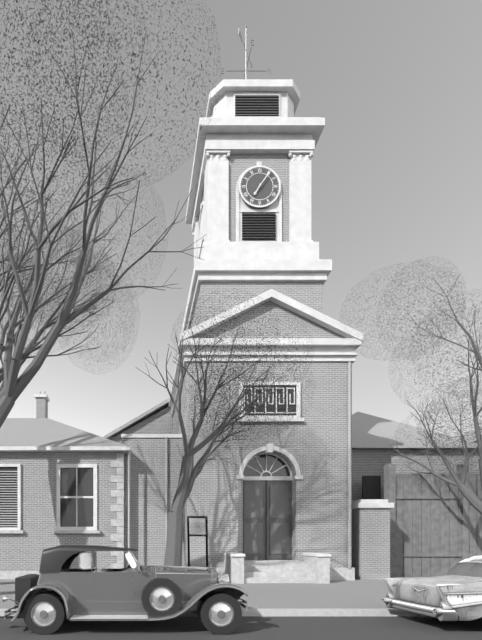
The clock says 7:06
